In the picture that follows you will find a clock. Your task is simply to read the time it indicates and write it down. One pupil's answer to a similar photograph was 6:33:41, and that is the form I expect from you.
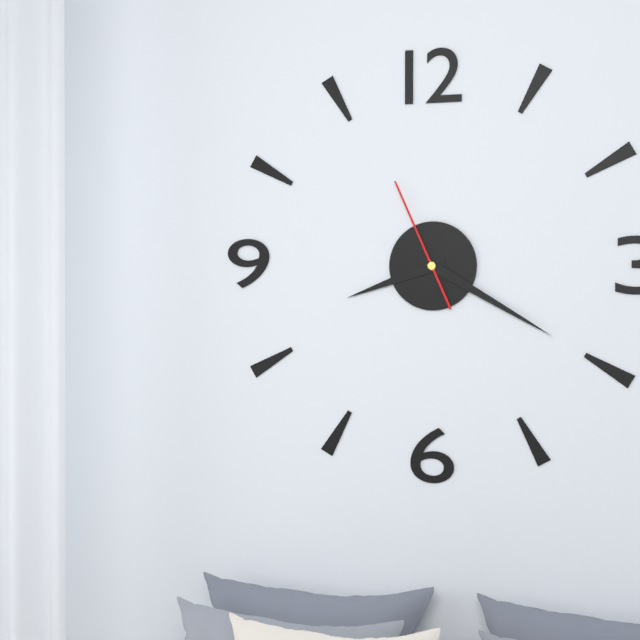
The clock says 8:20:56
